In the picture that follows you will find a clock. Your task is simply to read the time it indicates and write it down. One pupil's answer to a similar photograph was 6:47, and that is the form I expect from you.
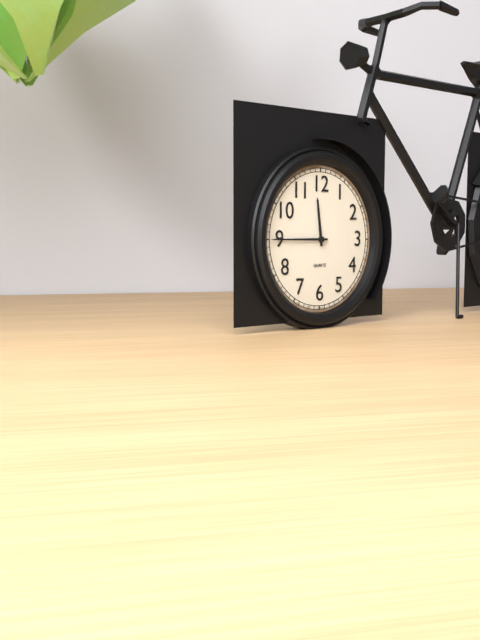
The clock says 11:45
